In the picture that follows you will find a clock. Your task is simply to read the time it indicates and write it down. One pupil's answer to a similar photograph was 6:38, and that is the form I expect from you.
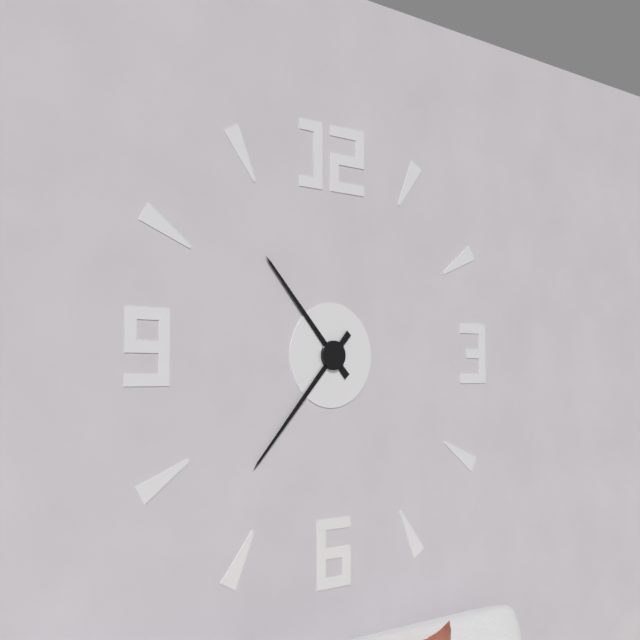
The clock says 10:37
